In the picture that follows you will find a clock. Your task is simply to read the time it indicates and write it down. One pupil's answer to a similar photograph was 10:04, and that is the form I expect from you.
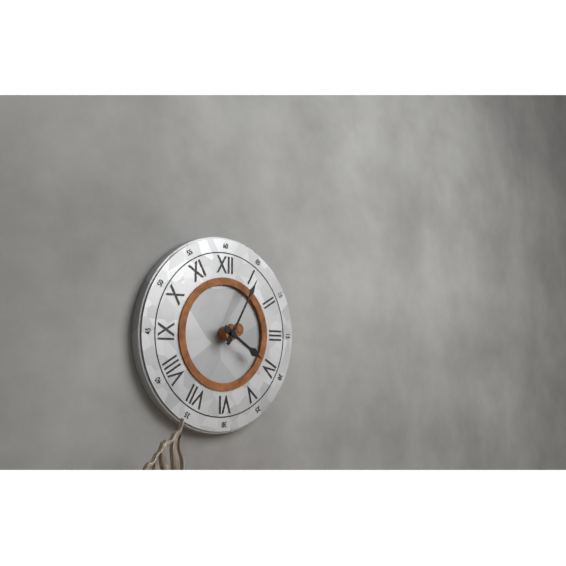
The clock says 4:05
